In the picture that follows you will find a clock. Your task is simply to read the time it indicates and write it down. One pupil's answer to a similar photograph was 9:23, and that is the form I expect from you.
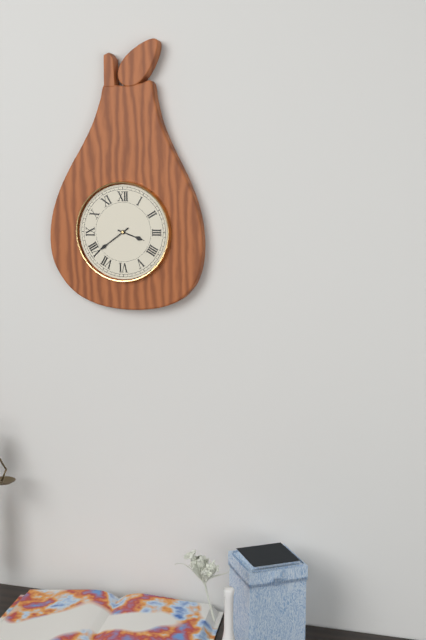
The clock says 3:39
